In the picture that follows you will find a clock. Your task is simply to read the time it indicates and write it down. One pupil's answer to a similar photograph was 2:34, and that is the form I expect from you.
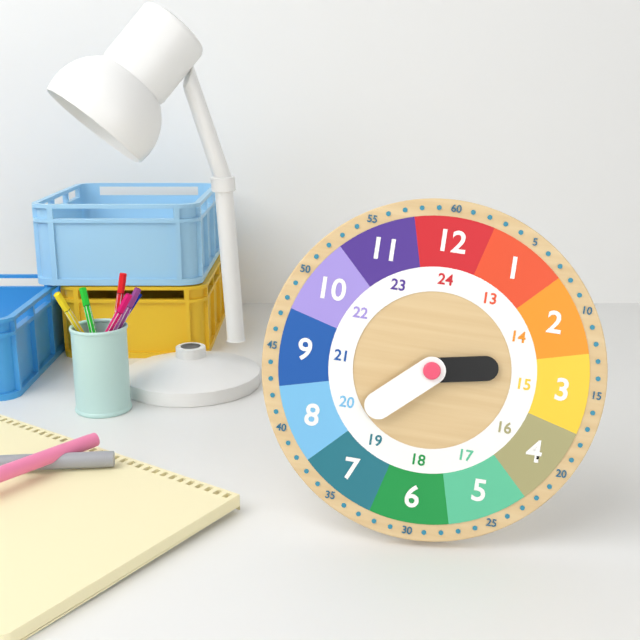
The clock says 2:38
